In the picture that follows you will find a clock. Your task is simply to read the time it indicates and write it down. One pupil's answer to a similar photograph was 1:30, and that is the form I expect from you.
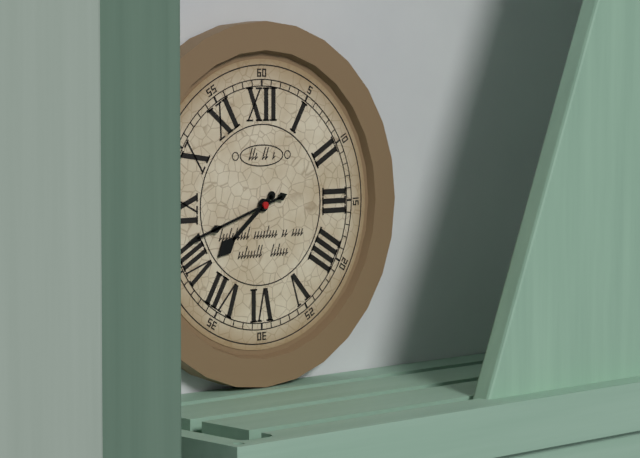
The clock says 7:42
